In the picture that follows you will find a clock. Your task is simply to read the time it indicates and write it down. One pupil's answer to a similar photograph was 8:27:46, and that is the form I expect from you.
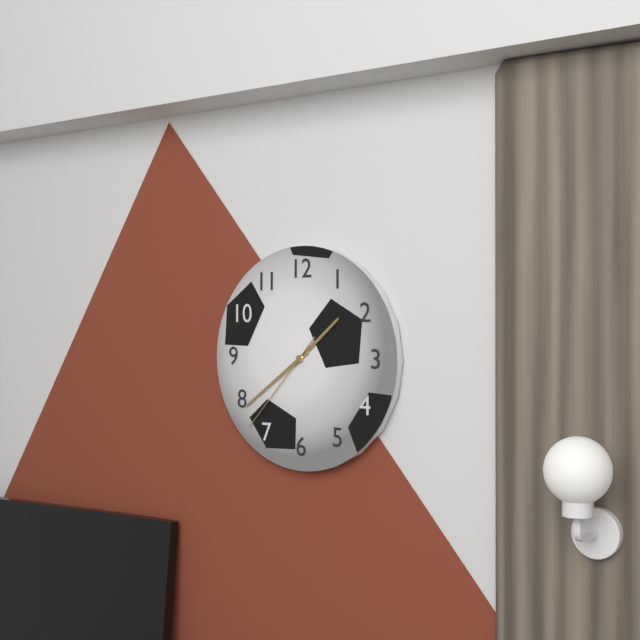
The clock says 1:39:37
